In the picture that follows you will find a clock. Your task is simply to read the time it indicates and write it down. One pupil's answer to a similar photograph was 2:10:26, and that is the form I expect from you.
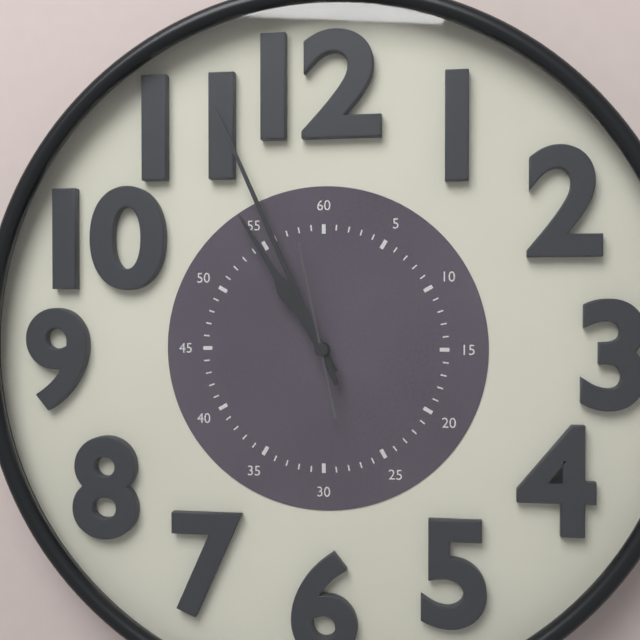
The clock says 10:56:58
